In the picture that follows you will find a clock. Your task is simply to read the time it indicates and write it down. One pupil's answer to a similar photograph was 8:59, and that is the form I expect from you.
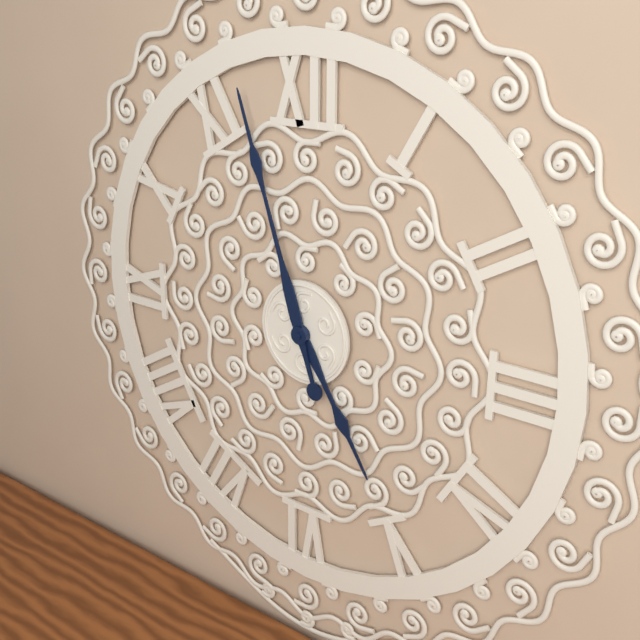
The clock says 4:57
